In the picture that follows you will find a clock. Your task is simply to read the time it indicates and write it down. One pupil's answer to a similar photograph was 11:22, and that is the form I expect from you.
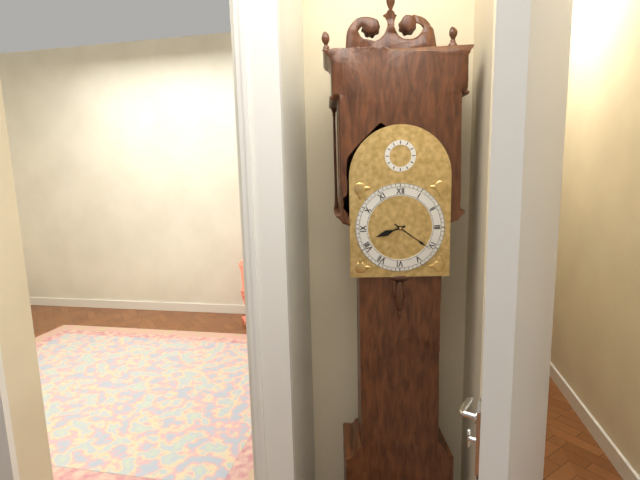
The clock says 8:21
